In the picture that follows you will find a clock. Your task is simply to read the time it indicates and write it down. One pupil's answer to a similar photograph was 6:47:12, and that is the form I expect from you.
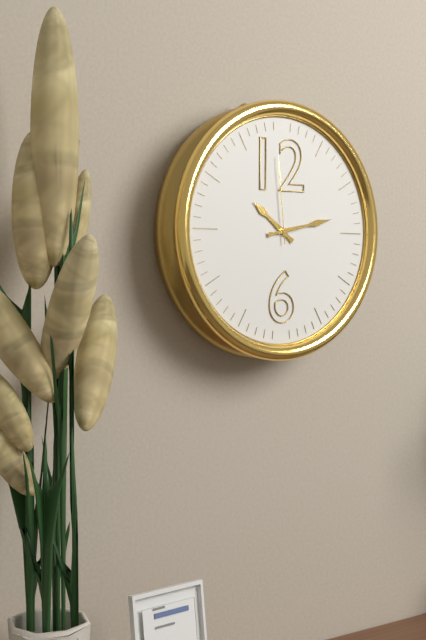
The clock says 10:13:59
